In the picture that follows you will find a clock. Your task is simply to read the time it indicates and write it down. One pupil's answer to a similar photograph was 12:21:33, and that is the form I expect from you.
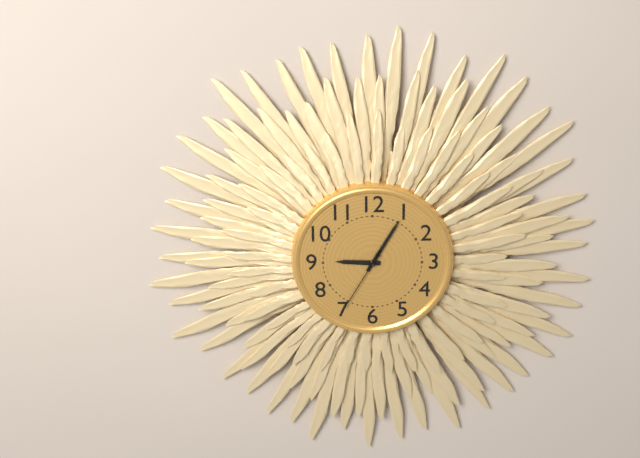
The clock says 9:05:35
